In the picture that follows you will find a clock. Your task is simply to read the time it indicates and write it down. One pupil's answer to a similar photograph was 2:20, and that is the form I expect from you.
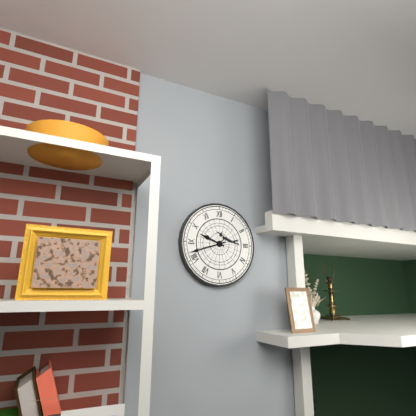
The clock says 9:42
